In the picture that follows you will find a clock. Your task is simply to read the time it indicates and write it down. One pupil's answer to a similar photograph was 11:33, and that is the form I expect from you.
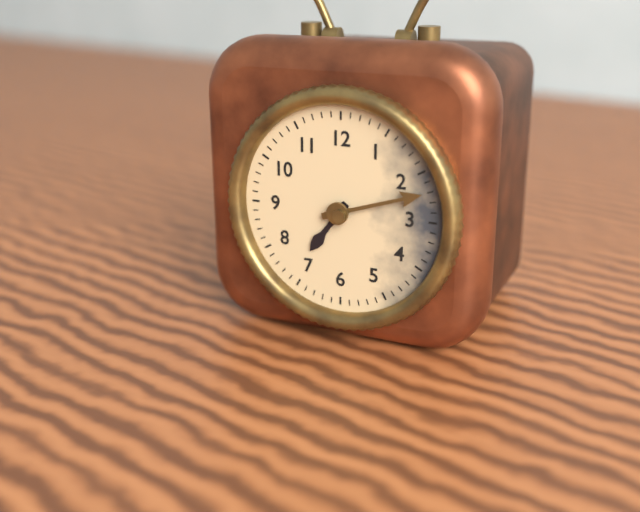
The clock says 7:12
